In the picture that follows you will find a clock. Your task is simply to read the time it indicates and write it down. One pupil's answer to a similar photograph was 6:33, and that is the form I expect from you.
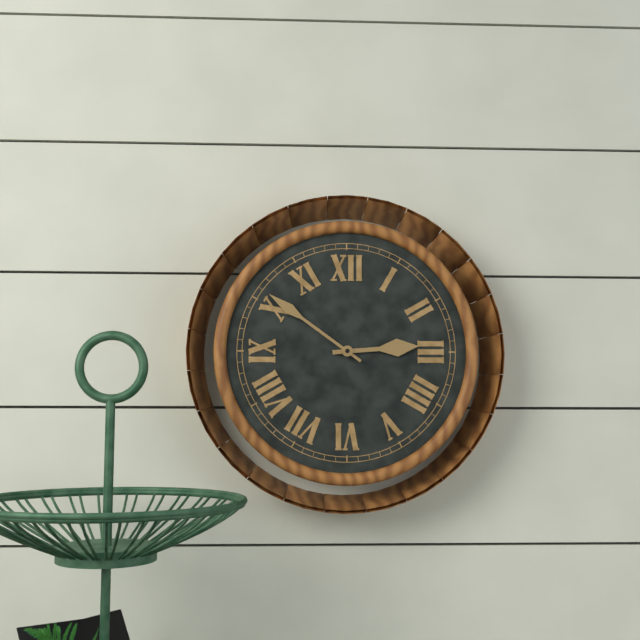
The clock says 2:51
